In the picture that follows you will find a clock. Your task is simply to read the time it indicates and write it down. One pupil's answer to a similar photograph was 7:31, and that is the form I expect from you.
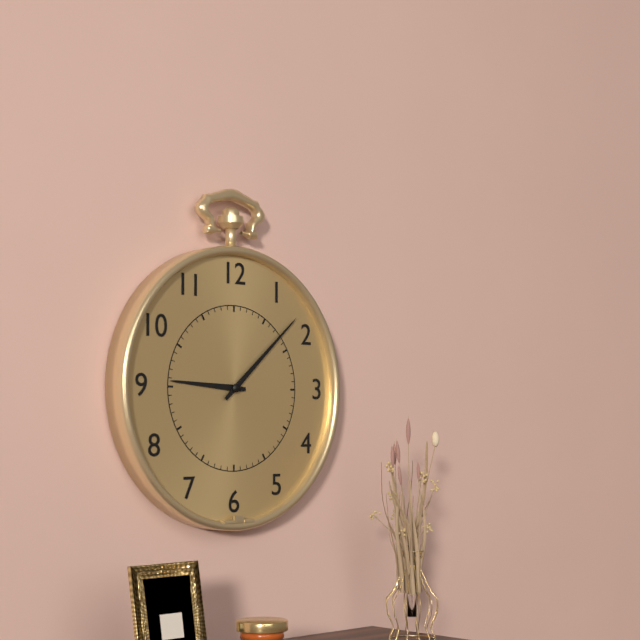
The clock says 9:08
